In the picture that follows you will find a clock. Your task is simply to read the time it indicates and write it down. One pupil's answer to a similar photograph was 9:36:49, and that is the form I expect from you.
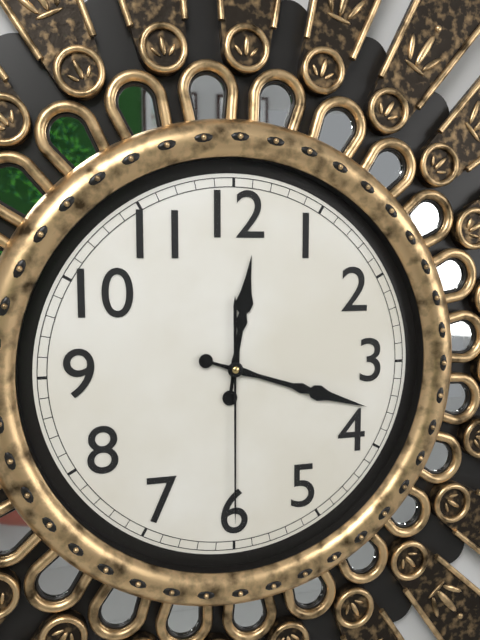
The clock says 12:18:30
